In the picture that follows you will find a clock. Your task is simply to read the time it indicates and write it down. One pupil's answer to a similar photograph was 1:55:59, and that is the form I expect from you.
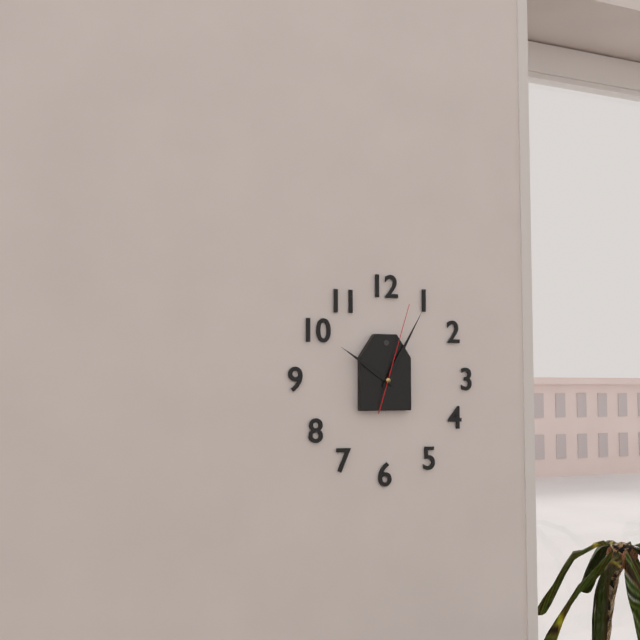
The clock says 10:05:03
